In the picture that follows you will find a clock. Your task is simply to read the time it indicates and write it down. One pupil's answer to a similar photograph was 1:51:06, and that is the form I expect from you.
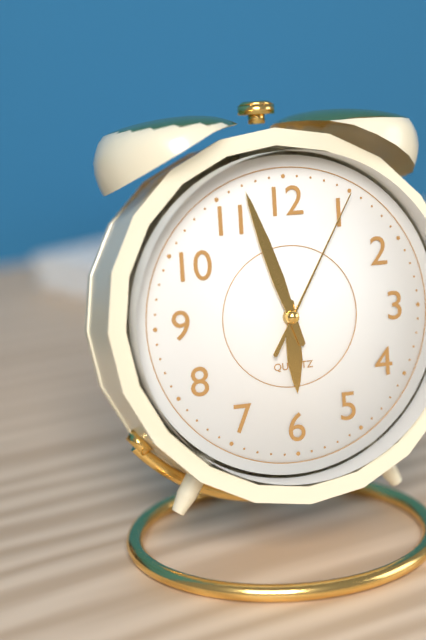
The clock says 5:57:05
